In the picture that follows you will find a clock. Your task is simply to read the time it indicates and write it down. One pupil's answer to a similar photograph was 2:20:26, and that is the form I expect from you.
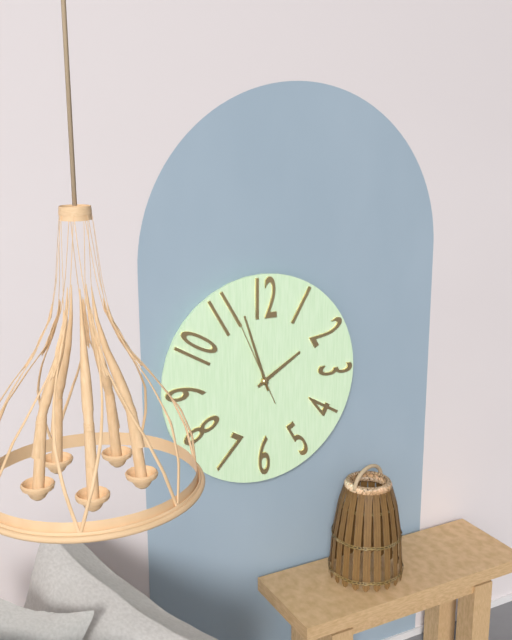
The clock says 1:57:56
